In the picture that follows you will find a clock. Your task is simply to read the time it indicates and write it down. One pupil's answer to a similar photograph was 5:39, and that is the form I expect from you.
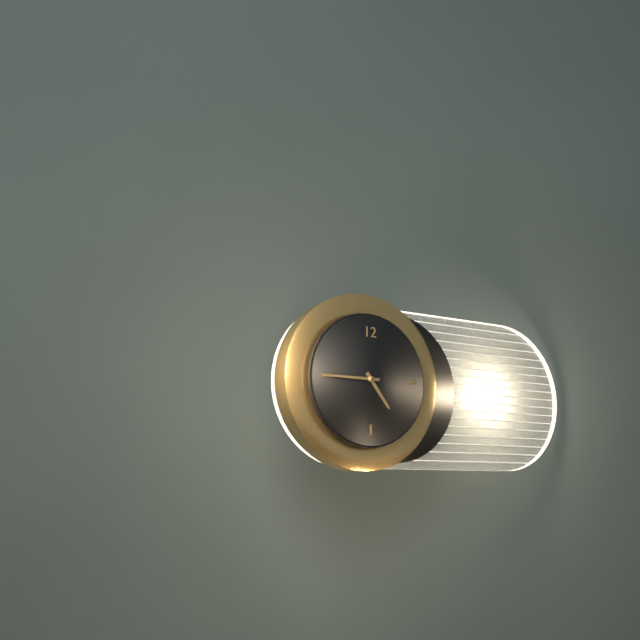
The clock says 4:45
